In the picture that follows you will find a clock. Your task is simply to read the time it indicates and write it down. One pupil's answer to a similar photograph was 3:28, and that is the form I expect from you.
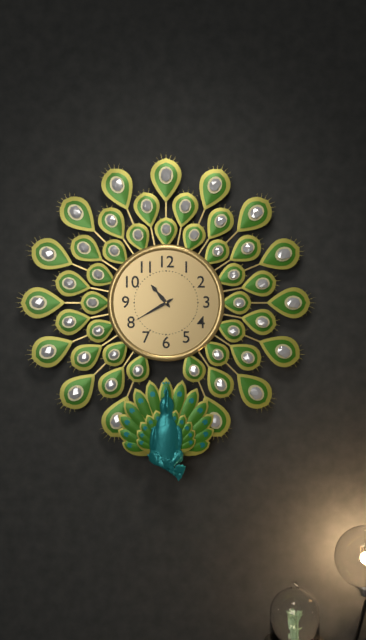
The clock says 10:40
